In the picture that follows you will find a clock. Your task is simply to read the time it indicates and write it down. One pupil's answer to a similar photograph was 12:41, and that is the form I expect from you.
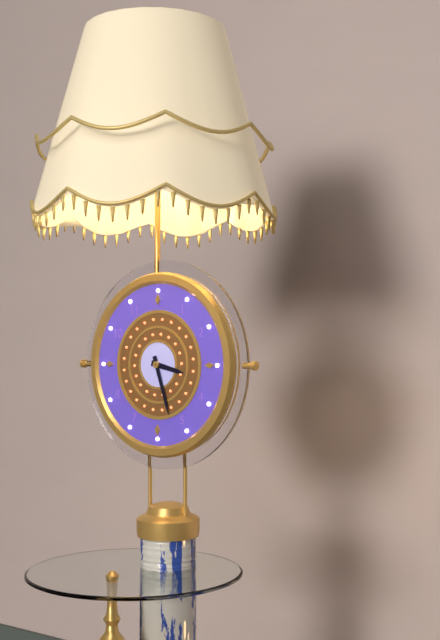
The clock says 3:27
